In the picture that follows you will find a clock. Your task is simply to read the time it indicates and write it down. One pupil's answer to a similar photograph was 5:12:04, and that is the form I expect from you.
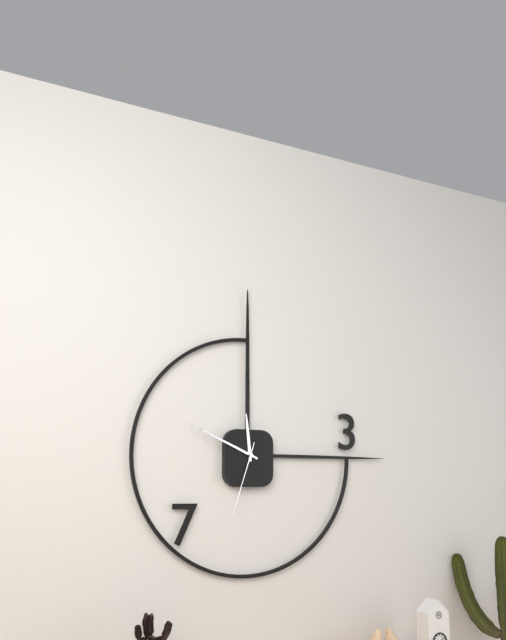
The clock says 11:49:33
